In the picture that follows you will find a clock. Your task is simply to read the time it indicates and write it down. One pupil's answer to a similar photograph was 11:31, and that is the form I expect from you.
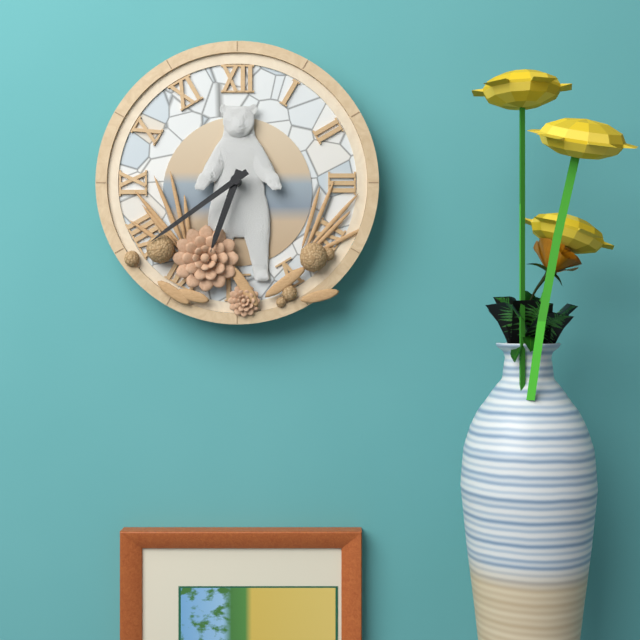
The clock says 6:39
